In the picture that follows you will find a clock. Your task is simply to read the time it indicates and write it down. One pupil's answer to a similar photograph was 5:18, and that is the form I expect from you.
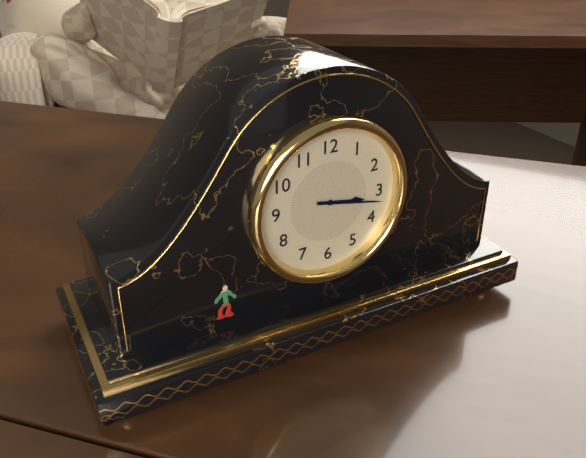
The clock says 3:17
